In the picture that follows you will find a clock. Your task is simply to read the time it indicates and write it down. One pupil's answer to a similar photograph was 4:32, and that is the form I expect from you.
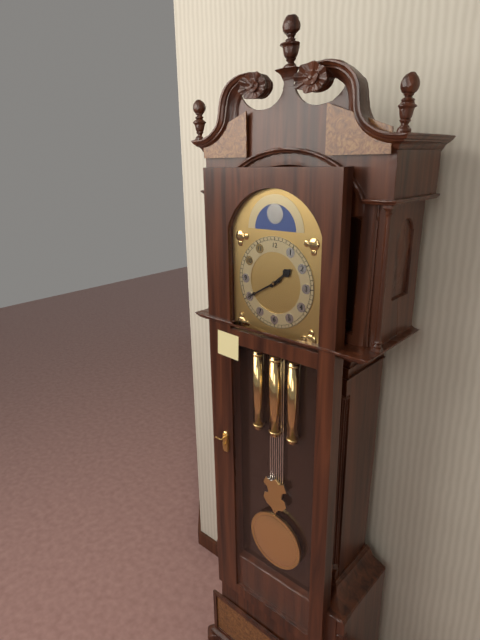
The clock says 1:40
